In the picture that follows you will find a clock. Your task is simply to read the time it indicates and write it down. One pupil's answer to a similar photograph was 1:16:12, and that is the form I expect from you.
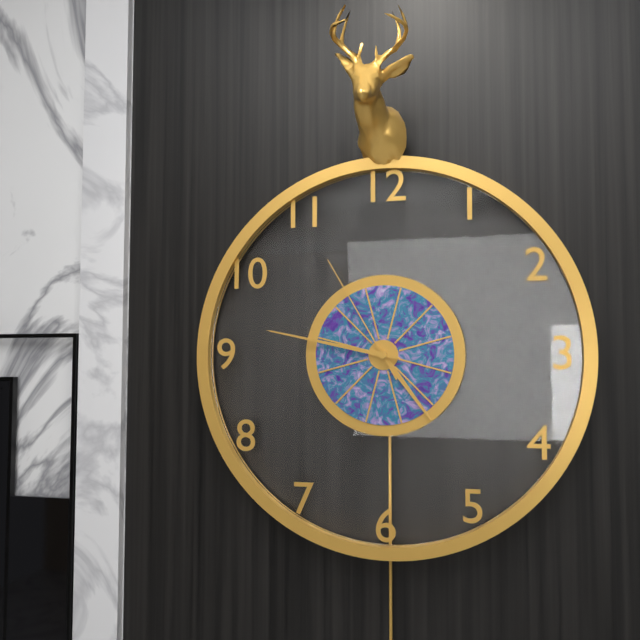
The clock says 4:47:55
